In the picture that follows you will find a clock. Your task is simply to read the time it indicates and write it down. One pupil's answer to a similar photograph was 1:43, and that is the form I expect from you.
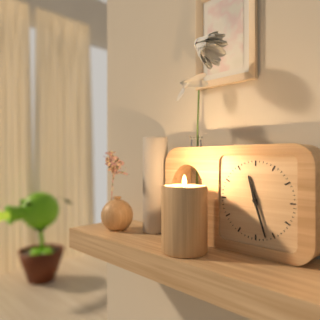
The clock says 11:27
